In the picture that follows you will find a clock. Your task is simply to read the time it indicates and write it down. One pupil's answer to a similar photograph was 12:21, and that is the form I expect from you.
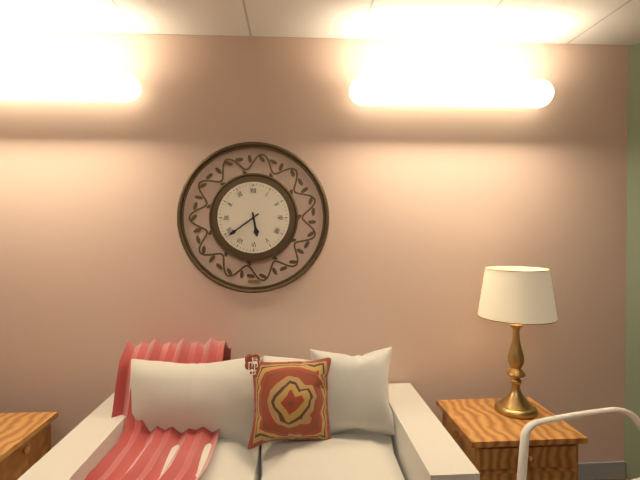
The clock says 5:39
